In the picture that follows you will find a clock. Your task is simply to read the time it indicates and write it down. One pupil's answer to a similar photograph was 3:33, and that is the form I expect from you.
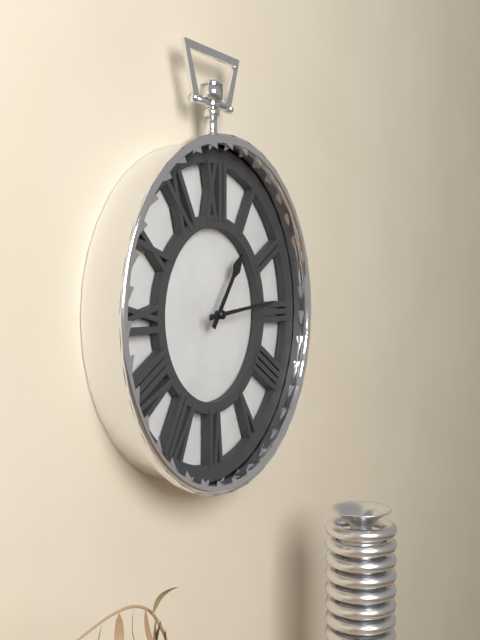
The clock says 1:14
